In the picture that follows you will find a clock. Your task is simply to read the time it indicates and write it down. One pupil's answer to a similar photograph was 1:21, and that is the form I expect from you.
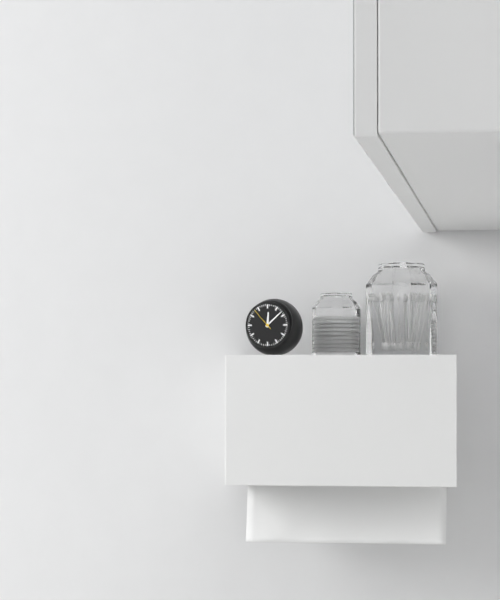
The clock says 12:08
